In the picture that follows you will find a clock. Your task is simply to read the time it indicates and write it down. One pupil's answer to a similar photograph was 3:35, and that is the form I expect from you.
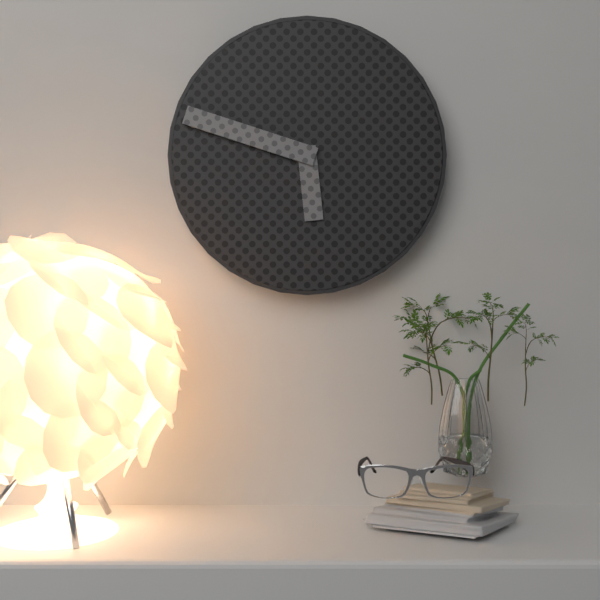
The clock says 5:48
